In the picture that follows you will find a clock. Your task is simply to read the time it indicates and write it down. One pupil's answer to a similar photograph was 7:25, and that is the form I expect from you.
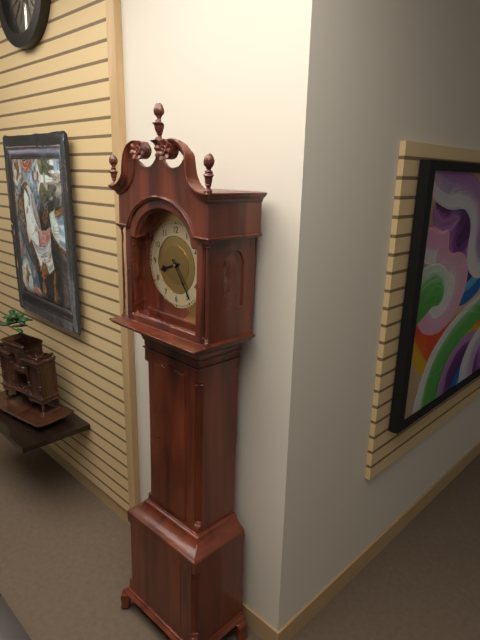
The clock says 8:24
